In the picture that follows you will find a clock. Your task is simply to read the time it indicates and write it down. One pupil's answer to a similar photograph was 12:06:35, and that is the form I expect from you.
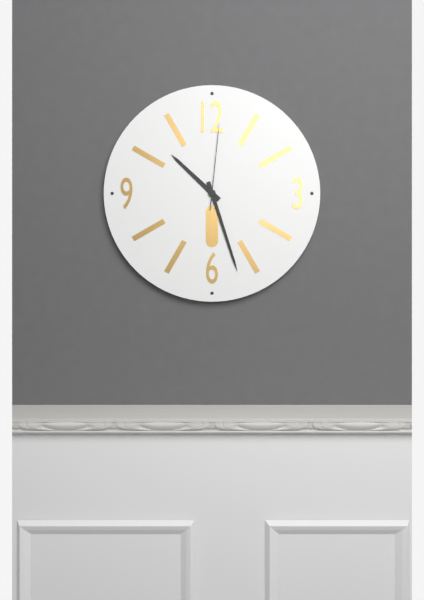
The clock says 10:27:01
